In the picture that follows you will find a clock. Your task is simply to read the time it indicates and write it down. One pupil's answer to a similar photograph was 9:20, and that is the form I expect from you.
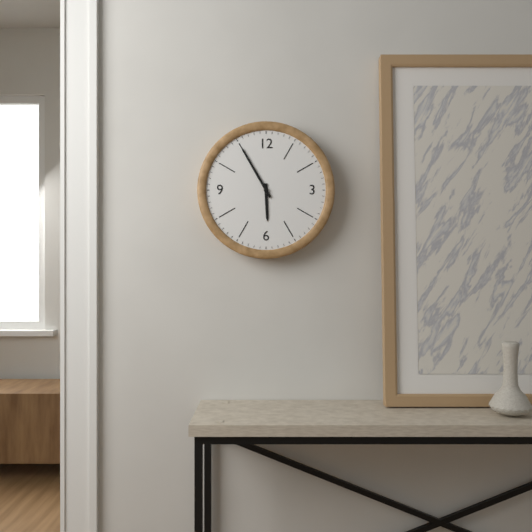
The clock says 5:55
